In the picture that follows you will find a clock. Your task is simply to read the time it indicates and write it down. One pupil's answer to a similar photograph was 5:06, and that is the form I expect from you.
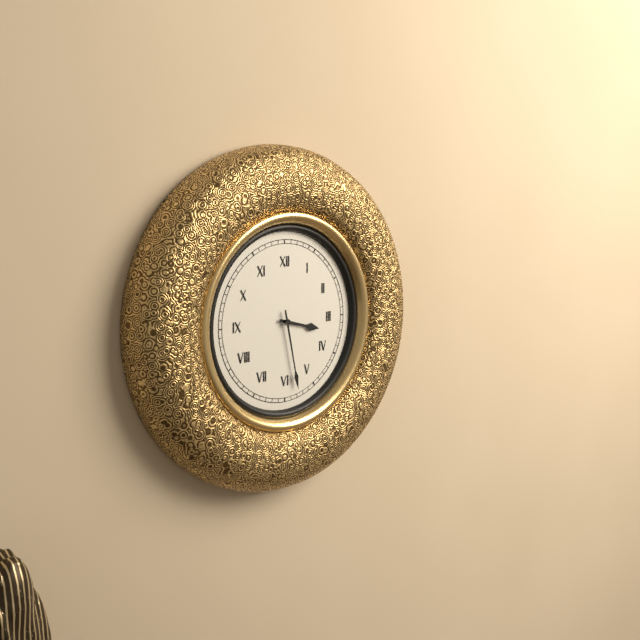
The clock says 3:28
